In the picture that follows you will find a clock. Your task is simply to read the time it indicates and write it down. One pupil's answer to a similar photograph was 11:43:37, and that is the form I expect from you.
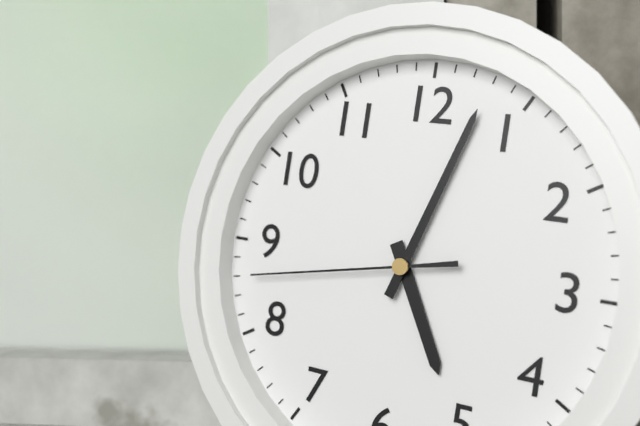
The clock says 5:03:43
